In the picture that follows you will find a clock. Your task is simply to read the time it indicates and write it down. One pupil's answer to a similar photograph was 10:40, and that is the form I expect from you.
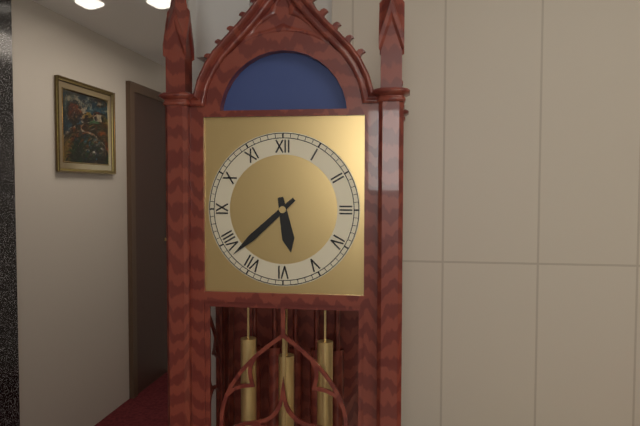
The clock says 5:38
